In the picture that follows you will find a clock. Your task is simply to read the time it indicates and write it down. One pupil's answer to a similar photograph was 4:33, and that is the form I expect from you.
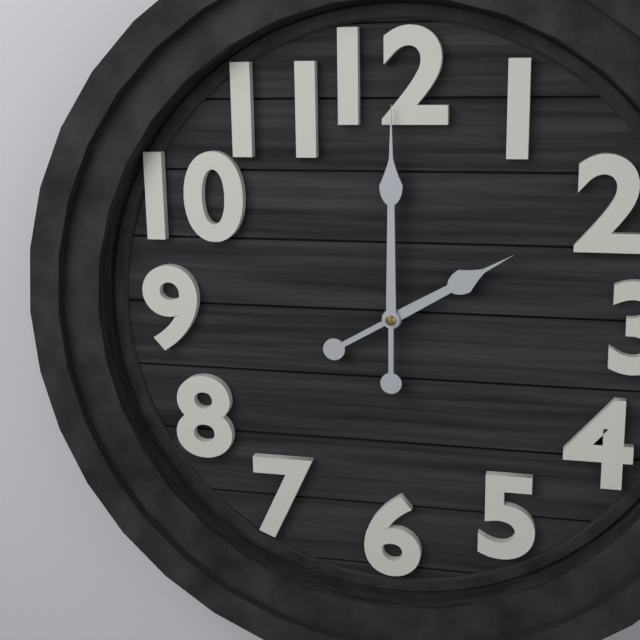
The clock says 2:00
